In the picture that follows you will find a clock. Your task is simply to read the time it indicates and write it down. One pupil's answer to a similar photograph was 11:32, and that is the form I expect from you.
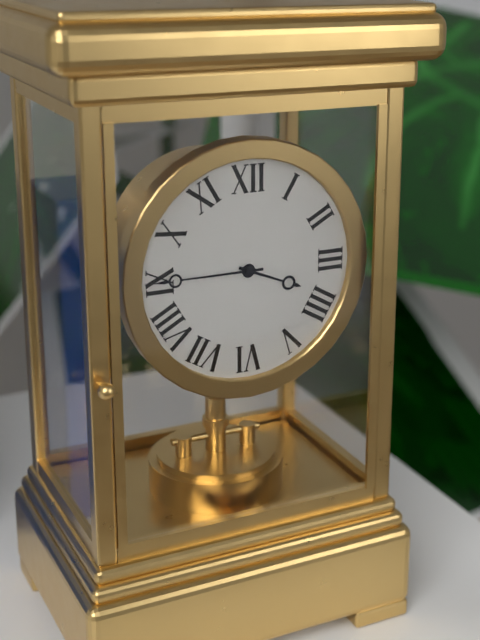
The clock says 3:45
